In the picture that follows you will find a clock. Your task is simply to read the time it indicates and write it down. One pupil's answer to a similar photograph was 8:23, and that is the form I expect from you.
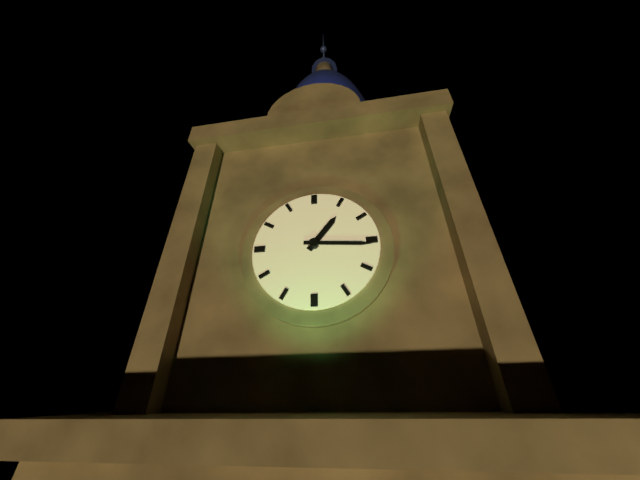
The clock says 1:16
